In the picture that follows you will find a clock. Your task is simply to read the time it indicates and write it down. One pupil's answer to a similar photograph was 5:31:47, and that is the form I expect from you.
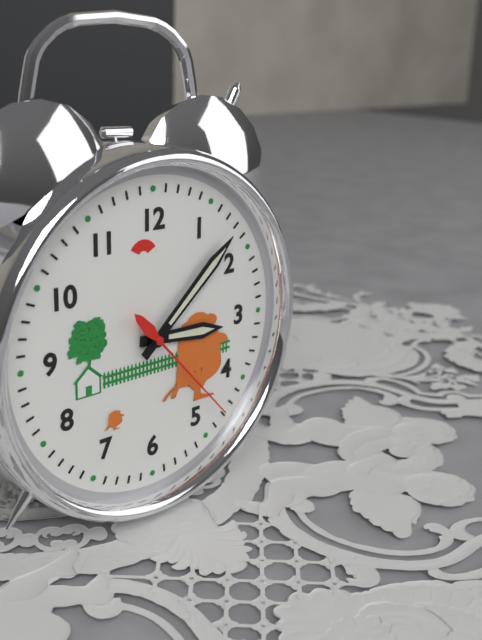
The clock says 3:08:23
